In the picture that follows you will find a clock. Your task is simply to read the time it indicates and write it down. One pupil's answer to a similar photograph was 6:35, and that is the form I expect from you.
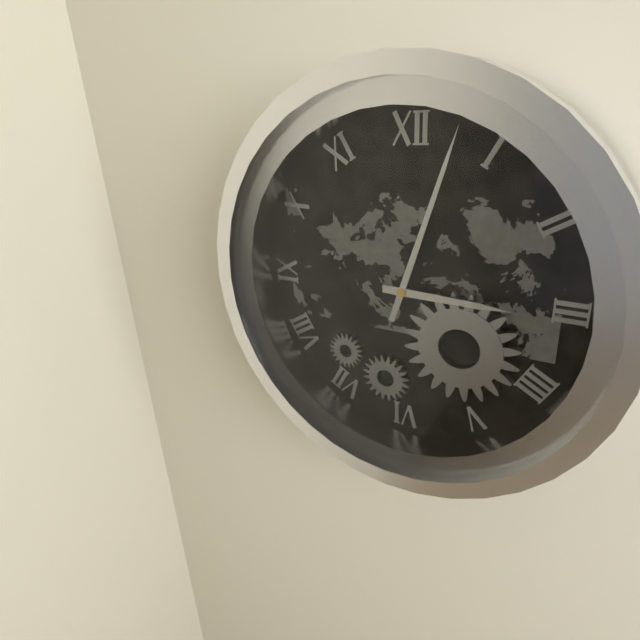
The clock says 3:03
